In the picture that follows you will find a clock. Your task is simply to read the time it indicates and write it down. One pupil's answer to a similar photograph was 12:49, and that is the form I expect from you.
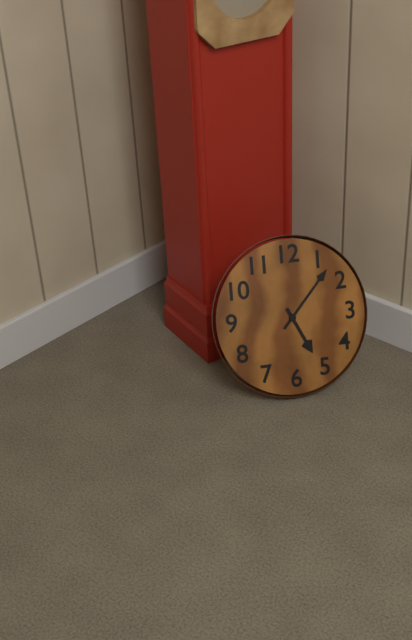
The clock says 5:07
